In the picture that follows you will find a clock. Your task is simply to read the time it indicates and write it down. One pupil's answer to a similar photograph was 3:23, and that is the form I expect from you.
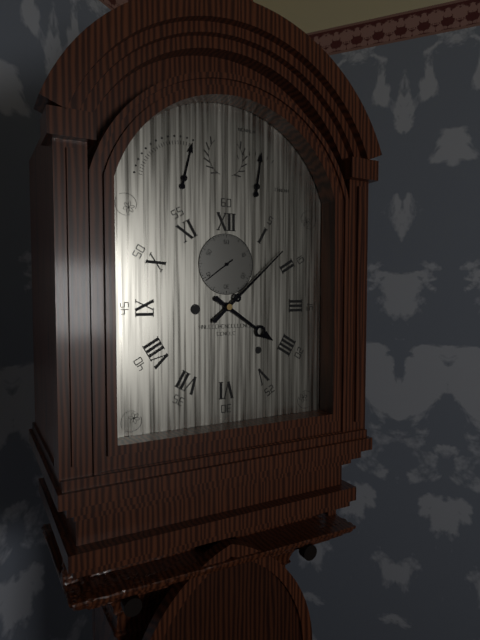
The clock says 4:08
